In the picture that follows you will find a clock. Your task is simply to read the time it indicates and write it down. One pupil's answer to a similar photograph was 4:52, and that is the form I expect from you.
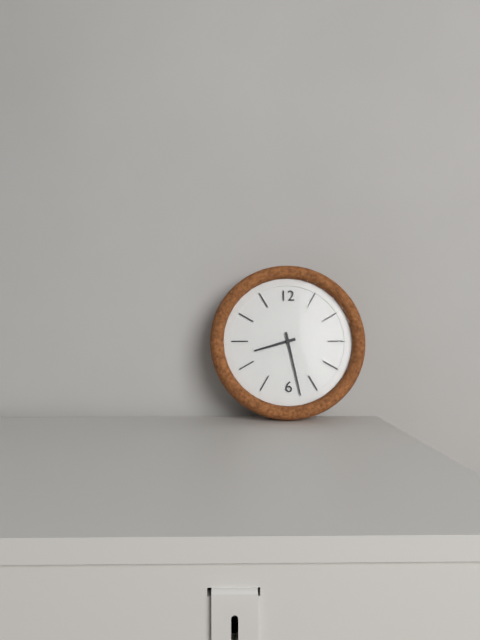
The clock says 8:28
